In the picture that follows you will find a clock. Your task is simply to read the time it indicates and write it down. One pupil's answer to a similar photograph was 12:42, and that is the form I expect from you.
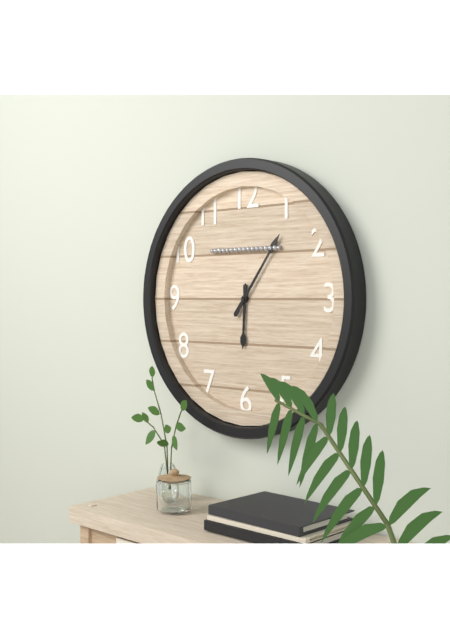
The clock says 6:06
